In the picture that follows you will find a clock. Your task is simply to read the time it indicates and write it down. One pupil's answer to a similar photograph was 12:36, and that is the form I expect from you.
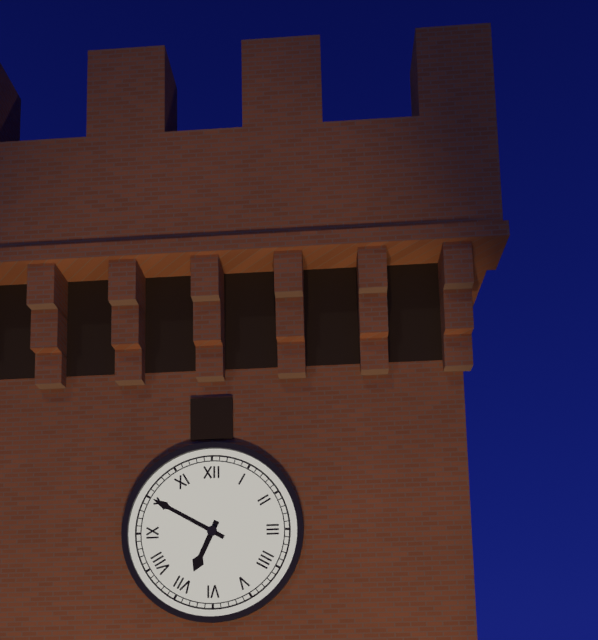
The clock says 6:50
